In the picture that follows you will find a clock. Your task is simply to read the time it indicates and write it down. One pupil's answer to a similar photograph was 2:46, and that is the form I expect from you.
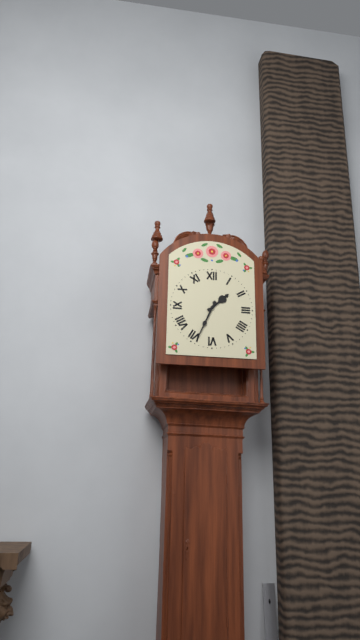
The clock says 1:34
